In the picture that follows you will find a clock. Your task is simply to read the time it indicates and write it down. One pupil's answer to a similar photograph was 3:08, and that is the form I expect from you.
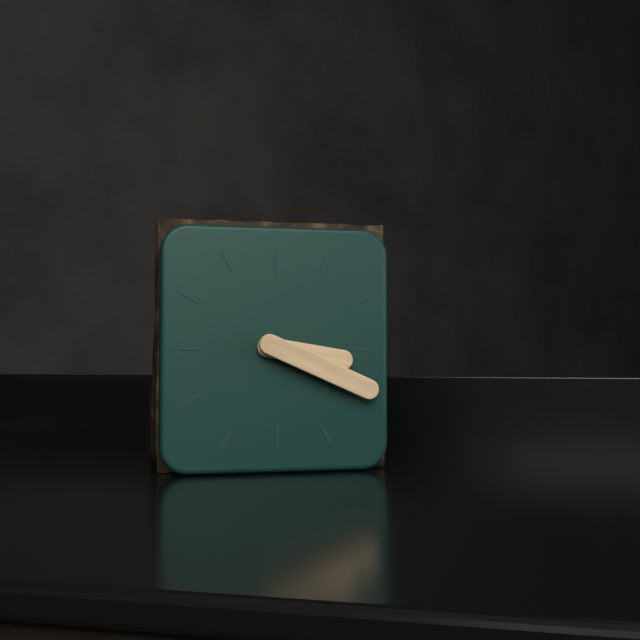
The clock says 3:19
